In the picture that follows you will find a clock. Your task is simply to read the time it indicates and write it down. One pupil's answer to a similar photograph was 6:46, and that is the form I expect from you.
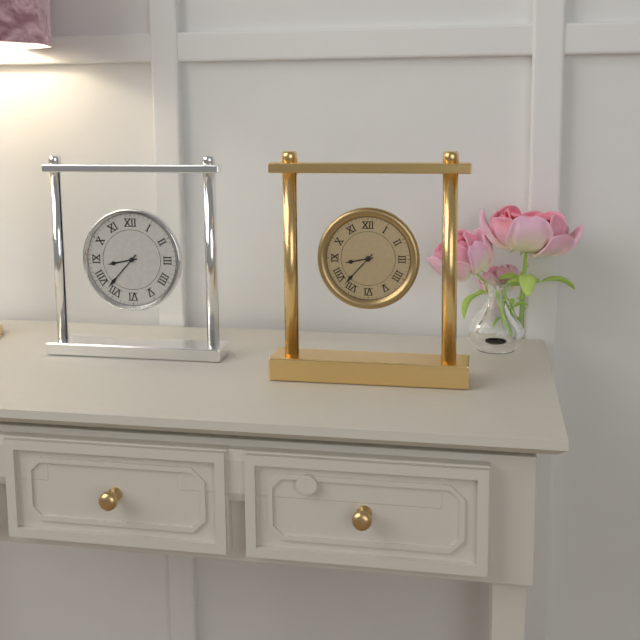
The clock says 8:37
